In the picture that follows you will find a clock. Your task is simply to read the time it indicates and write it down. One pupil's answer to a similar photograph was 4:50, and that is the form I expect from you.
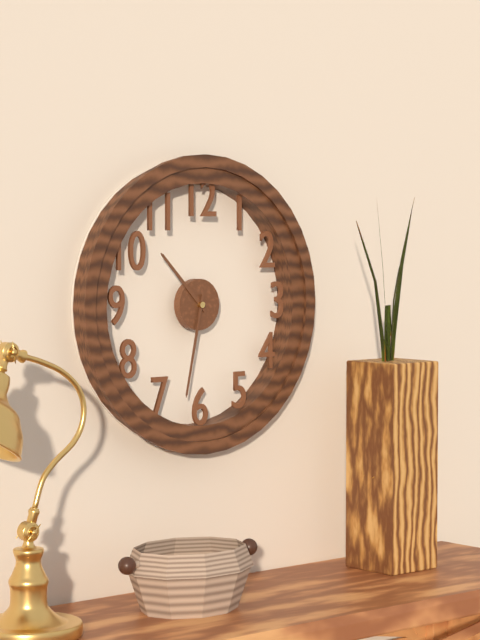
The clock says 10:32
